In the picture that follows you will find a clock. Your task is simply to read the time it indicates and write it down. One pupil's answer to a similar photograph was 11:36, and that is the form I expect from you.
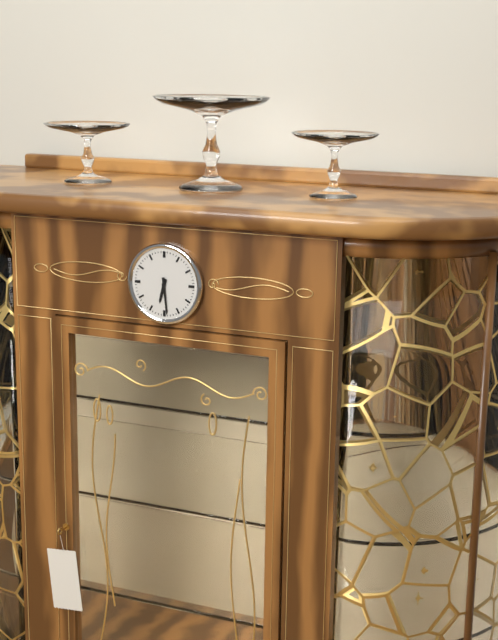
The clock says 6:29
